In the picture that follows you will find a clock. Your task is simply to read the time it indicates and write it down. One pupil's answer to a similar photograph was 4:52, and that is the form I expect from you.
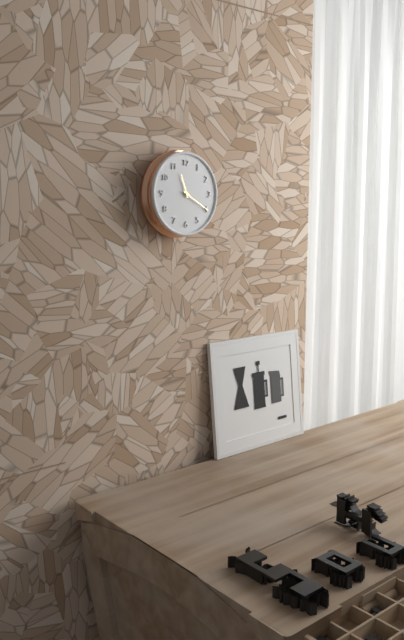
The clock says 11:20
